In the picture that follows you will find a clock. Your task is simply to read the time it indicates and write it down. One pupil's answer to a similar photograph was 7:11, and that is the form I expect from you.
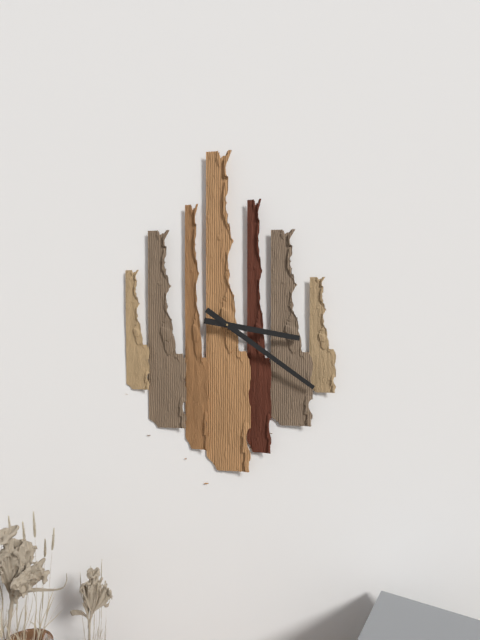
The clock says 3:21
